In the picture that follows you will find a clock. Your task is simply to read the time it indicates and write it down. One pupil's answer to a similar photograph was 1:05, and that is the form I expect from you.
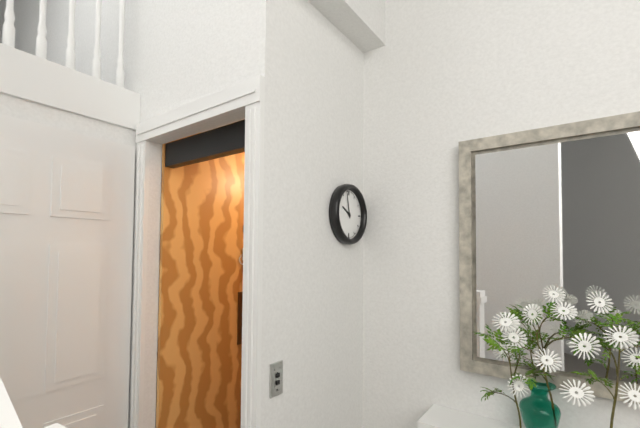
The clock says 9:58
